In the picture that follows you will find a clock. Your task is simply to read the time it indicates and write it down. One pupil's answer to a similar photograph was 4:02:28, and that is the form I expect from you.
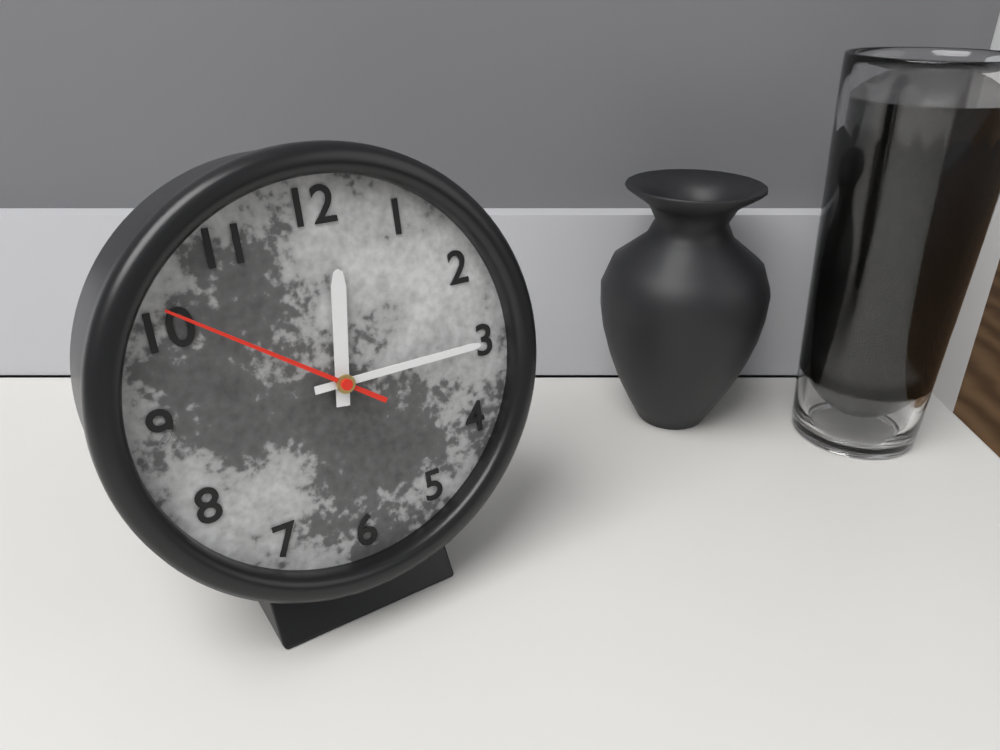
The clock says 12:15:51
